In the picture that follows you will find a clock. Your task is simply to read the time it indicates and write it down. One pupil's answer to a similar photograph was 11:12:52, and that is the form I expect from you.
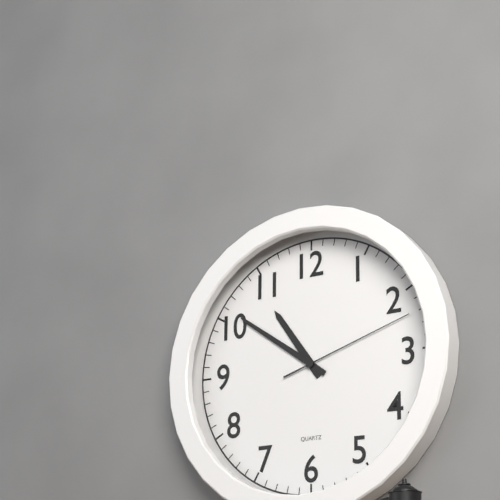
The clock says 10:51:12
